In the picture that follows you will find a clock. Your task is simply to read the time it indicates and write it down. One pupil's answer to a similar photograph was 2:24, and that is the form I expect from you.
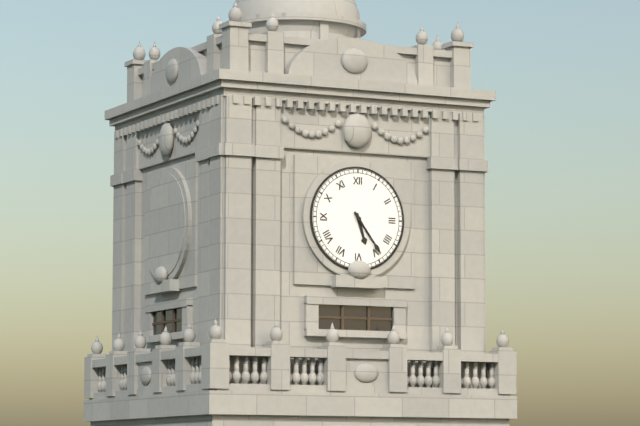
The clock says 5:24
